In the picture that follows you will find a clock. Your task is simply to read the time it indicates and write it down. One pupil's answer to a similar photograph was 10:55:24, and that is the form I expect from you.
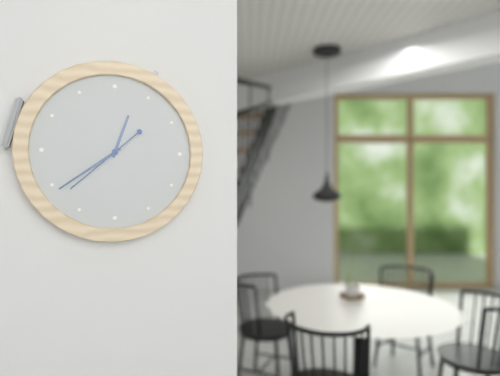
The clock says 12:39:38
